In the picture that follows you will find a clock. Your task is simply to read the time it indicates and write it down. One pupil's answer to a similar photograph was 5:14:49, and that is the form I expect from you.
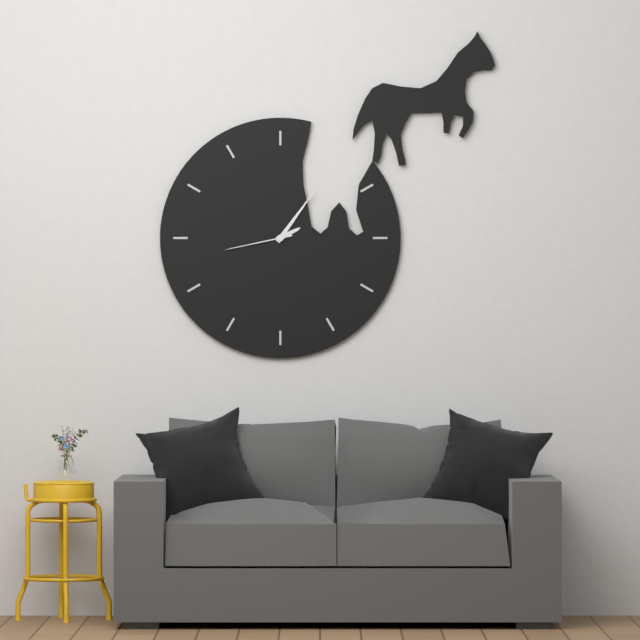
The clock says 2:06:43
